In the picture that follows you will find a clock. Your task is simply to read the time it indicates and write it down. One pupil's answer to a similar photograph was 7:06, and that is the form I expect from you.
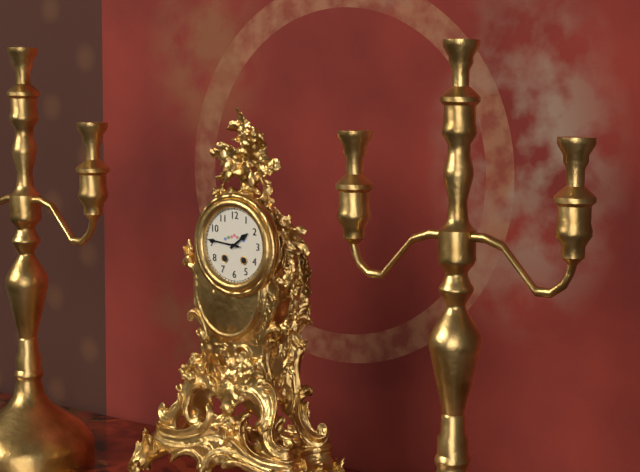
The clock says 1:46
